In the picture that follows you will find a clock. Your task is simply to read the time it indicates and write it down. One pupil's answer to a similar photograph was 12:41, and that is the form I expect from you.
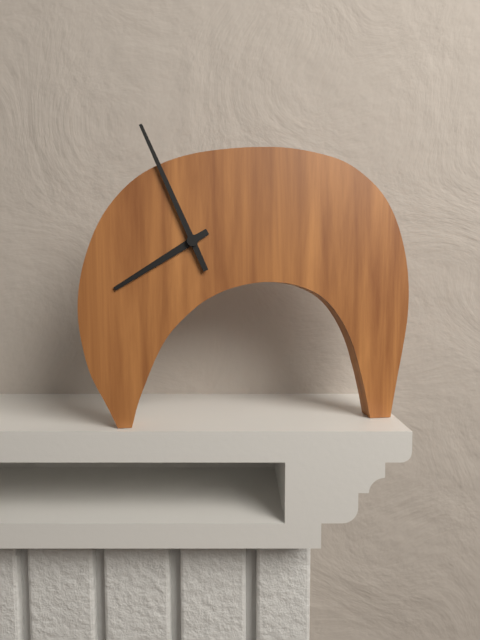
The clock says 7:56
